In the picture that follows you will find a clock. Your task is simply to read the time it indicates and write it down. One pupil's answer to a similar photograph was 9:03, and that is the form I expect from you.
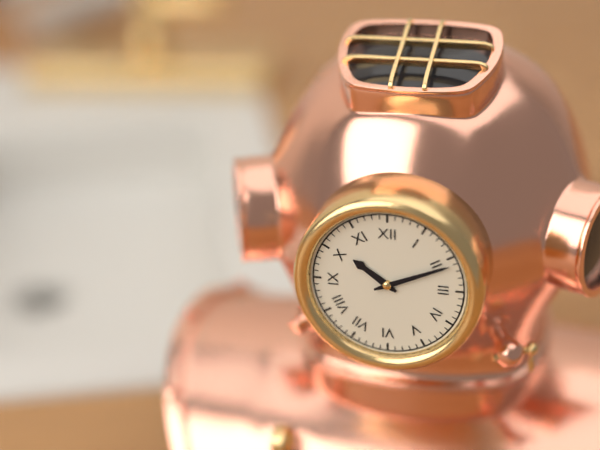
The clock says 10:11
